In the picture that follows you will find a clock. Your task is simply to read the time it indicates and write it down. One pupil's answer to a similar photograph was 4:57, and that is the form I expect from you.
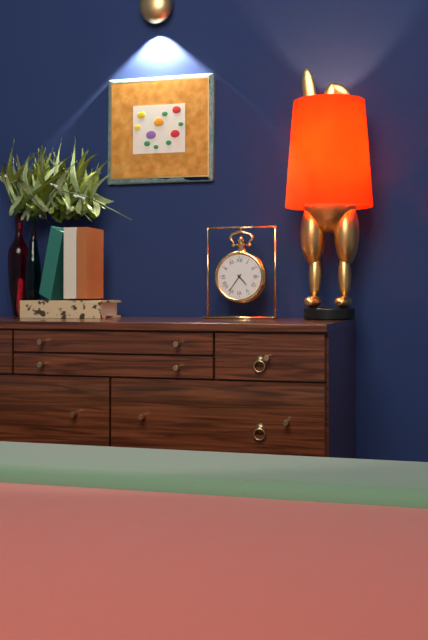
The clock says 4:36
